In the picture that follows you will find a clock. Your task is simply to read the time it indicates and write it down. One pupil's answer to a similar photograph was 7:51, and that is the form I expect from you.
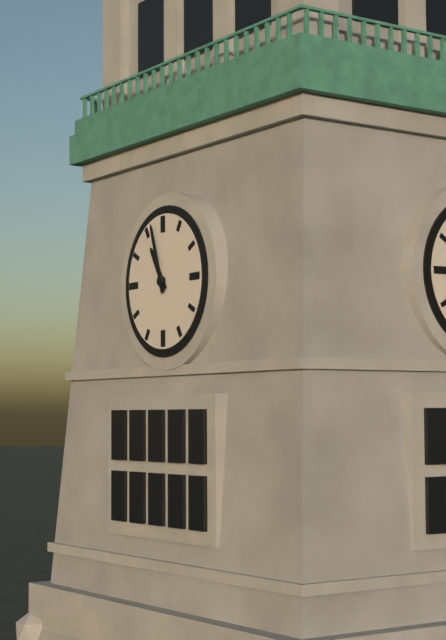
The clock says 10:57
